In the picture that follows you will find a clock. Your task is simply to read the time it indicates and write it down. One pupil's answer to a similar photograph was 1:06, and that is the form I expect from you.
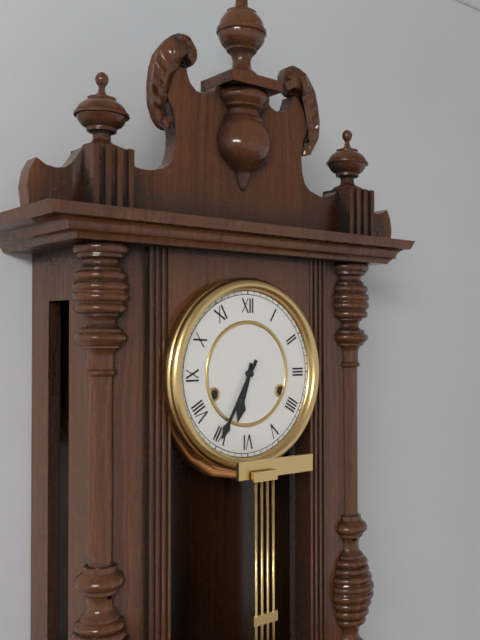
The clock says 6:35
